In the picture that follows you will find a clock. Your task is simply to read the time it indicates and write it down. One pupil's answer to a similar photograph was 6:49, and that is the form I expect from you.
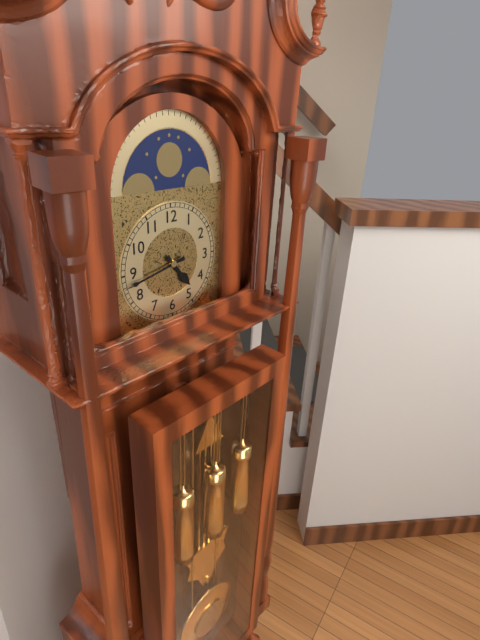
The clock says 4:43
